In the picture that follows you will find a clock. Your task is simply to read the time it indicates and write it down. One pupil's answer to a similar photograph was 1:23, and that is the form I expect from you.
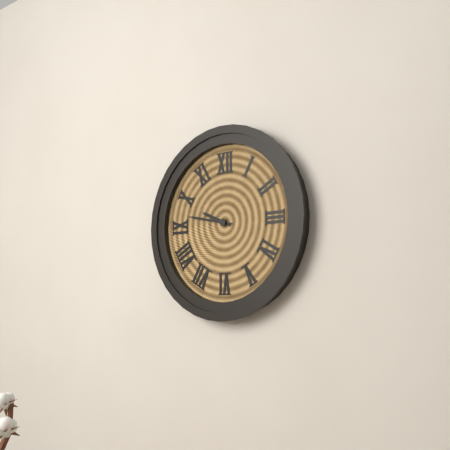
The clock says 9:47
